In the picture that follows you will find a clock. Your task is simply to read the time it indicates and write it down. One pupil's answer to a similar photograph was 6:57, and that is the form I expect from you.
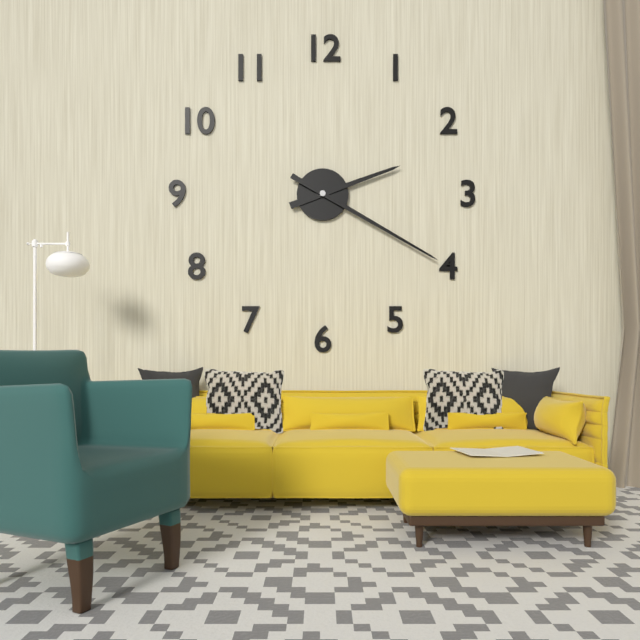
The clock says 2:20
